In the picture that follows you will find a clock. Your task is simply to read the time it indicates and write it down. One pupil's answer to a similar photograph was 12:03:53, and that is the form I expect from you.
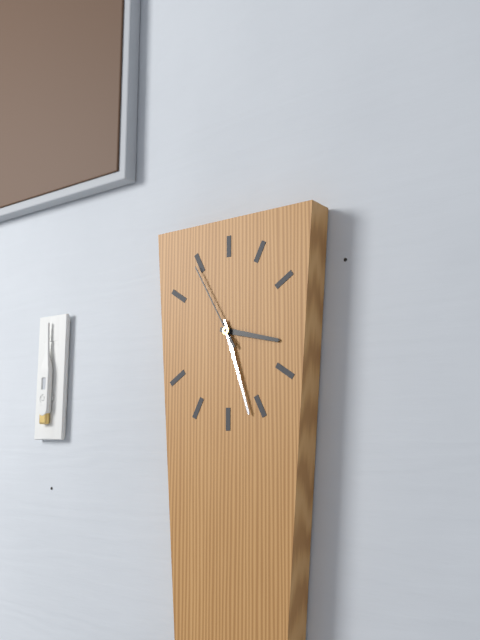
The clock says 3:27:55
